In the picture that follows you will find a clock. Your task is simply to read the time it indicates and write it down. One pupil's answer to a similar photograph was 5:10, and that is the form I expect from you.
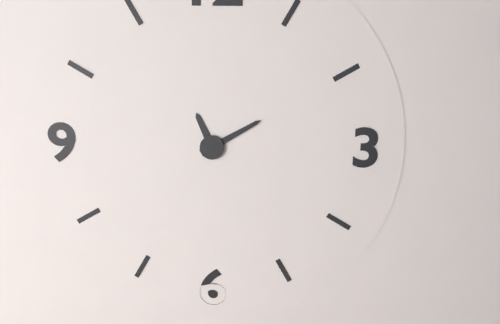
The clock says 11:10
